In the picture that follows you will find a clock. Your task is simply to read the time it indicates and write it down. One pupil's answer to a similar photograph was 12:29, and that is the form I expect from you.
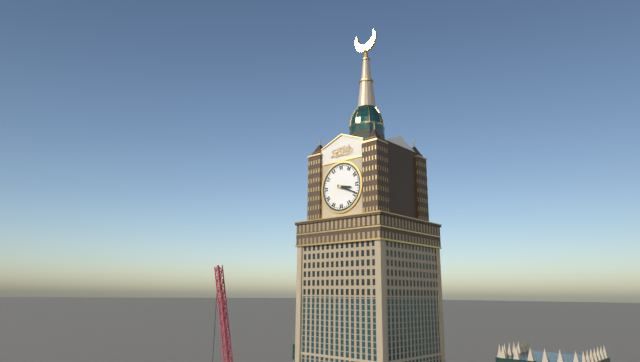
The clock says 3:19
